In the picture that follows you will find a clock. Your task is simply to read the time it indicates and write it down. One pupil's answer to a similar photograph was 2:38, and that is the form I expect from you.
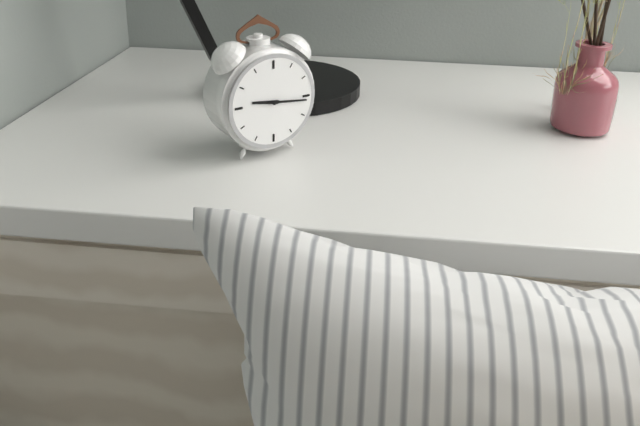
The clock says 9:16
